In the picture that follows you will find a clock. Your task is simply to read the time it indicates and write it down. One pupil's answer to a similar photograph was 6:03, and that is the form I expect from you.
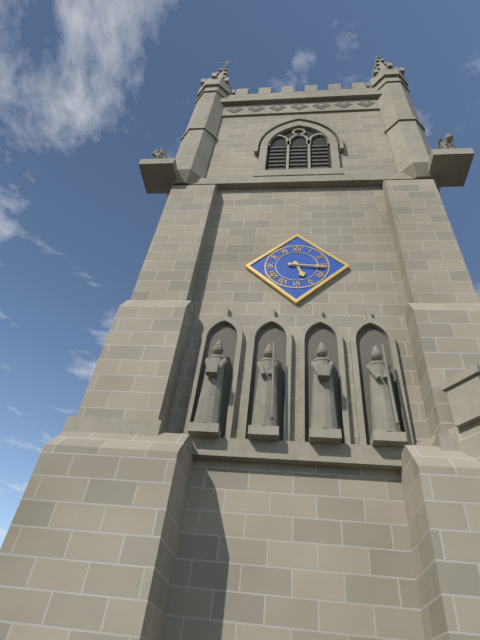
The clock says 5:16
